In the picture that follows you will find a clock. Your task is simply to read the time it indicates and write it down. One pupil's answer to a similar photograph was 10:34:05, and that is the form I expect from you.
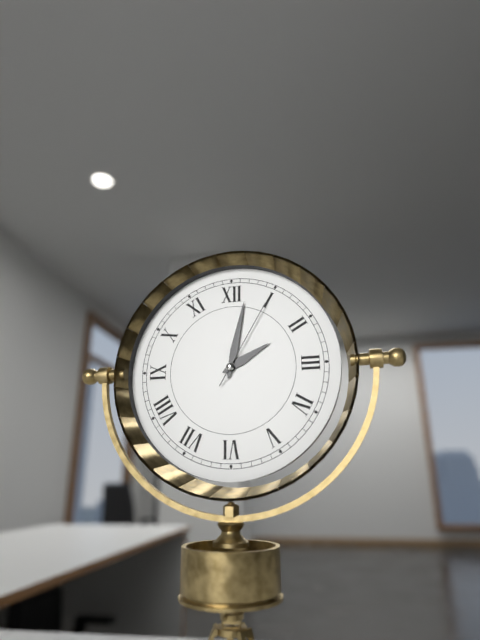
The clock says 2:02:05
